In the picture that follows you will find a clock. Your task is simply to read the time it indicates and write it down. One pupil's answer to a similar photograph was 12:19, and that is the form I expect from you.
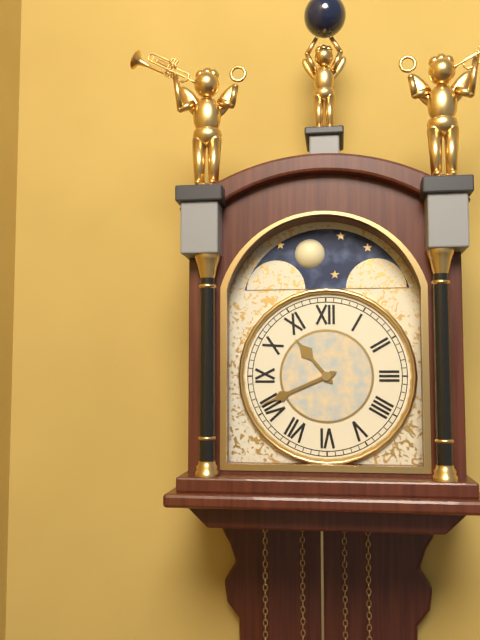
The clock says 10:41
